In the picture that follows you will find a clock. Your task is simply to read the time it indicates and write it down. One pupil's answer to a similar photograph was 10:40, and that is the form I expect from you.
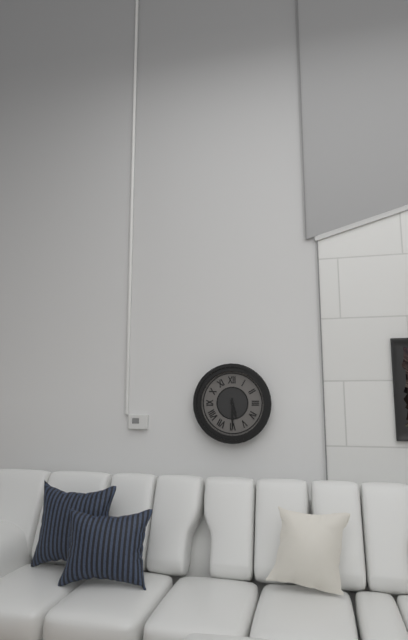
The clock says 5:30
